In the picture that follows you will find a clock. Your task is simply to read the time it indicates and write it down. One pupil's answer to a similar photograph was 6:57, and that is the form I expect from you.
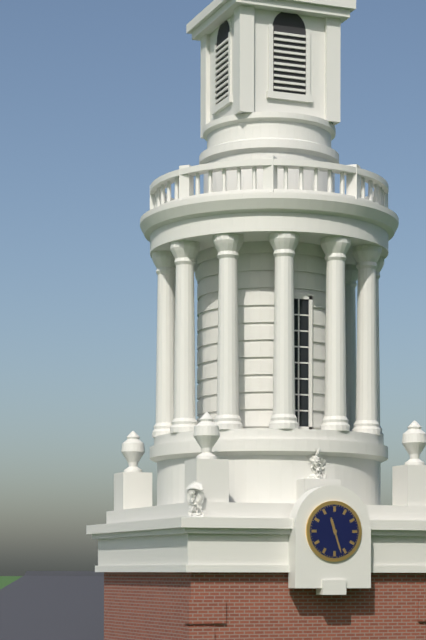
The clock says 11:27
